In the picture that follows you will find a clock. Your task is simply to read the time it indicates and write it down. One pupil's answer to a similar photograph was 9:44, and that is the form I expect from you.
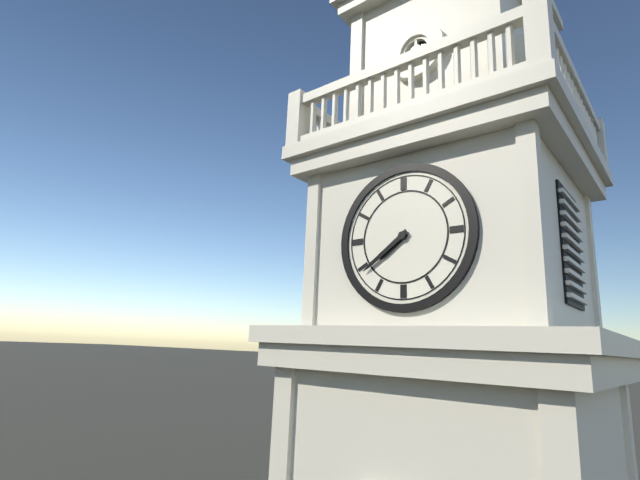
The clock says 7:39
